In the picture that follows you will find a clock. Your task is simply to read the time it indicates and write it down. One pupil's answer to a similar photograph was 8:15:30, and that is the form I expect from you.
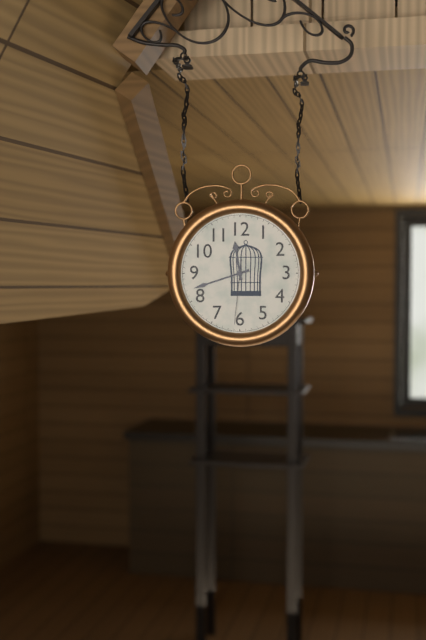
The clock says 11:42:31
